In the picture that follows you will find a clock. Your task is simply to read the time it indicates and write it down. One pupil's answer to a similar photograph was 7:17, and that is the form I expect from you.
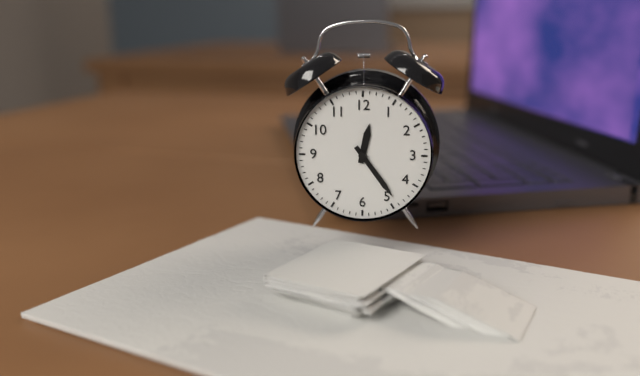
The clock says 12:24
